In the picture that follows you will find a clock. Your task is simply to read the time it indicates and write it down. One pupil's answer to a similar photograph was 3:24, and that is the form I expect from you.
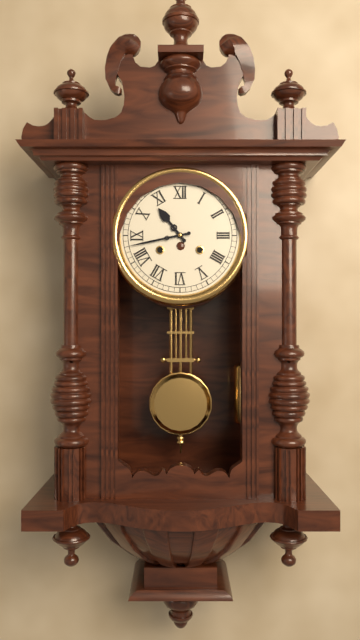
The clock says 10:43
